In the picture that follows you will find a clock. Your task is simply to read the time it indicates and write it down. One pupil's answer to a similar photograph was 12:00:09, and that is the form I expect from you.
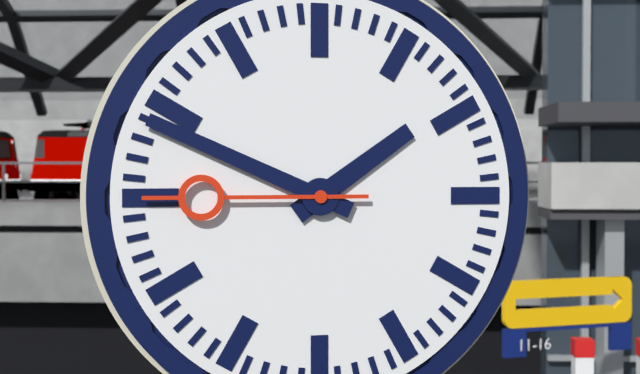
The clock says 1:49:45
